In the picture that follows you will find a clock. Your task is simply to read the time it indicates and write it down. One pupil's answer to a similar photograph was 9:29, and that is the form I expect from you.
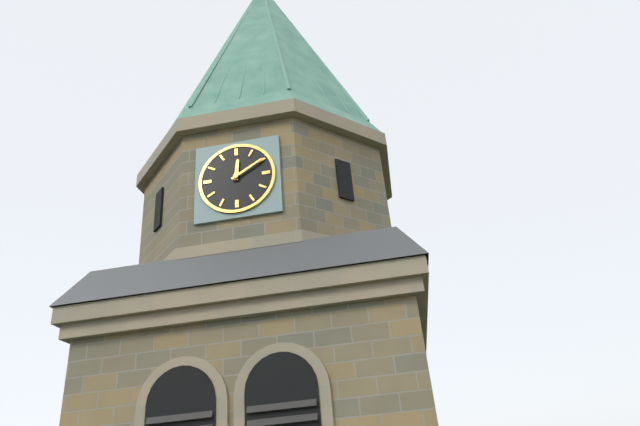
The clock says 12:10
